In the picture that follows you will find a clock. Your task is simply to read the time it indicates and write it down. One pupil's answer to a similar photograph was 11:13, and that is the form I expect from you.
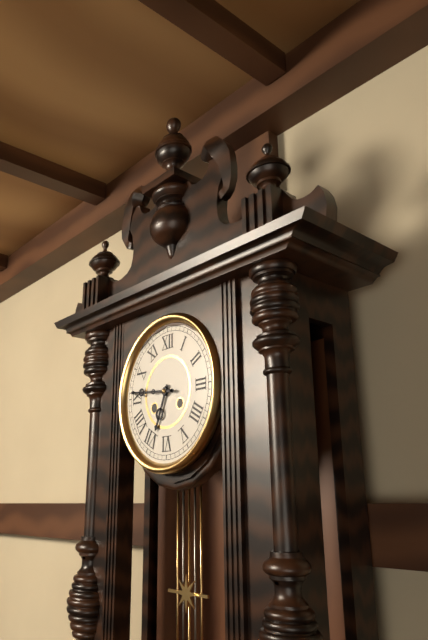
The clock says 6:46
